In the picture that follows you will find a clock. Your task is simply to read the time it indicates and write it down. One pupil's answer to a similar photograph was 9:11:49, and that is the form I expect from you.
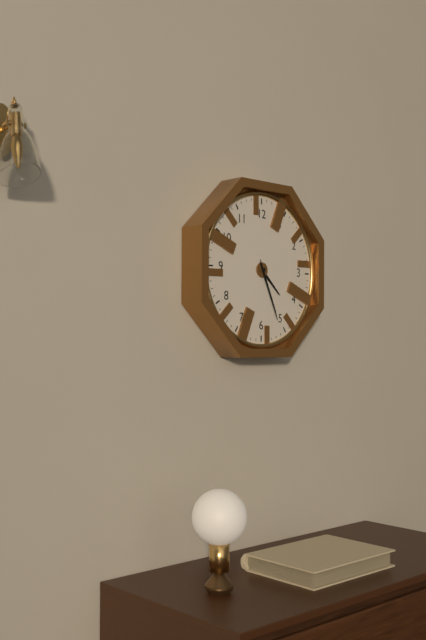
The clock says 4:26:26
